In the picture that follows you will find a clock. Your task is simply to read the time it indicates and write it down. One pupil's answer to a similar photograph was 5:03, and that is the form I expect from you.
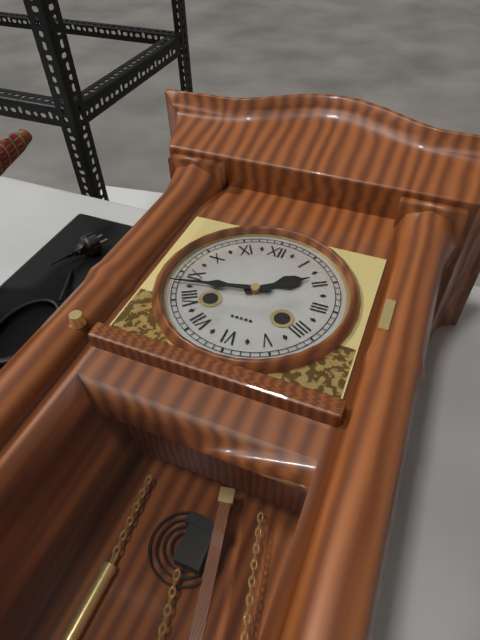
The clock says 1:43
